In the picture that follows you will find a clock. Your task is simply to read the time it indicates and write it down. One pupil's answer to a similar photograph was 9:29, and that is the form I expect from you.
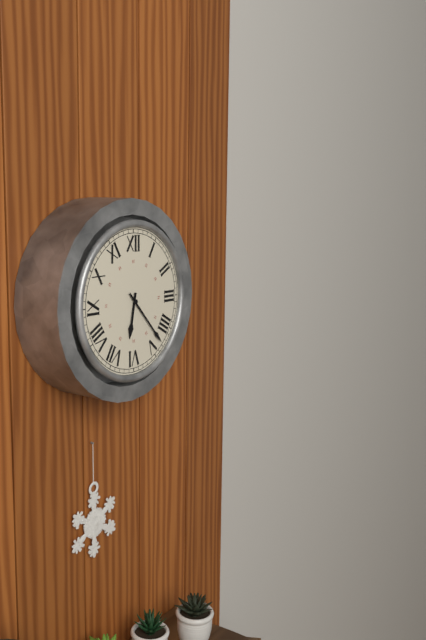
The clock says 6:23
